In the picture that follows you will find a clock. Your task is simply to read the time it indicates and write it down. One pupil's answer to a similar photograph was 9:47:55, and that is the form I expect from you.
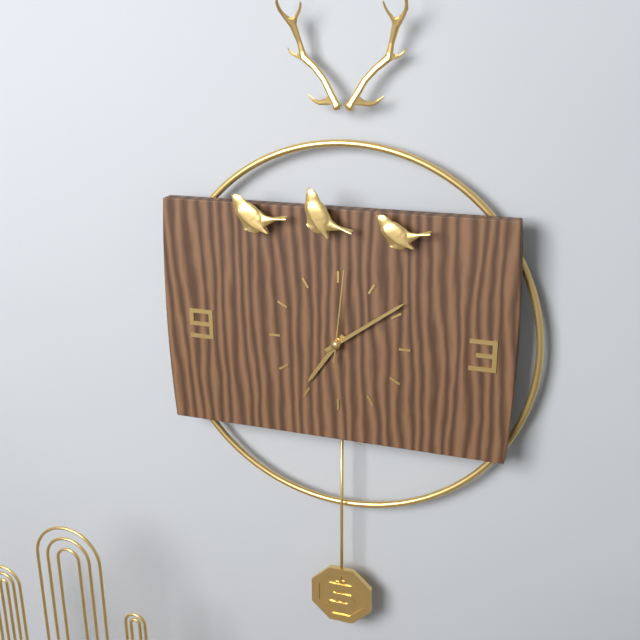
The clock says 7:09:01
